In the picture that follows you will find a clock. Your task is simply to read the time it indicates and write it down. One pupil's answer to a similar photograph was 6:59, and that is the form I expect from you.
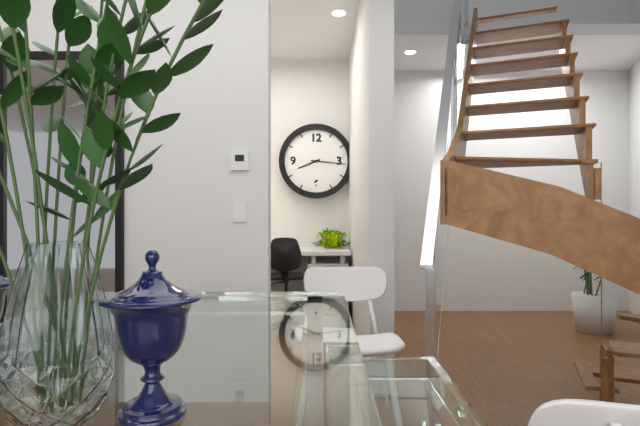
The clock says 8:16
